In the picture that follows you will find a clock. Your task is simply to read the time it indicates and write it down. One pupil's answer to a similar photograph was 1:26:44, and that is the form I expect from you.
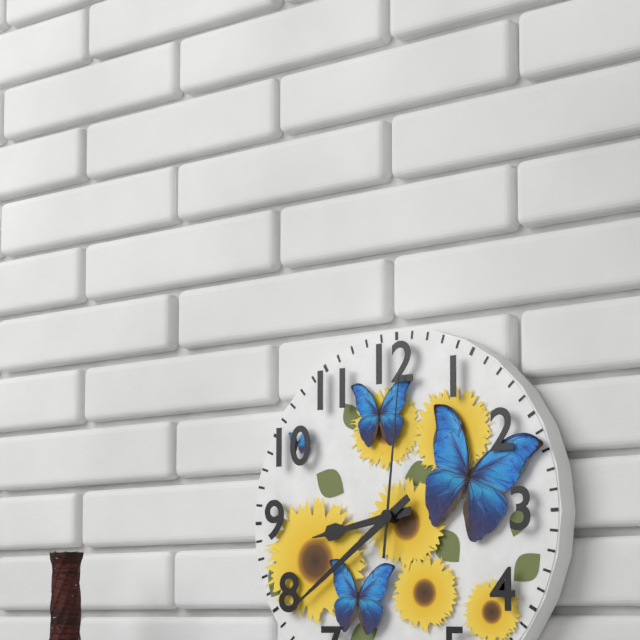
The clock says 8:39:01
